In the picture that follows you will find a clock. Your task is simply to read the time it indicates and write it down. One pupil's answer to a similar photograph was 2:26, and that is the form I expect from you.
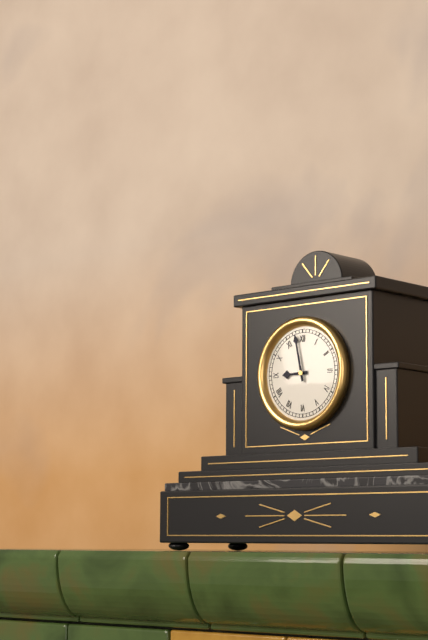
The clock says 8:58
